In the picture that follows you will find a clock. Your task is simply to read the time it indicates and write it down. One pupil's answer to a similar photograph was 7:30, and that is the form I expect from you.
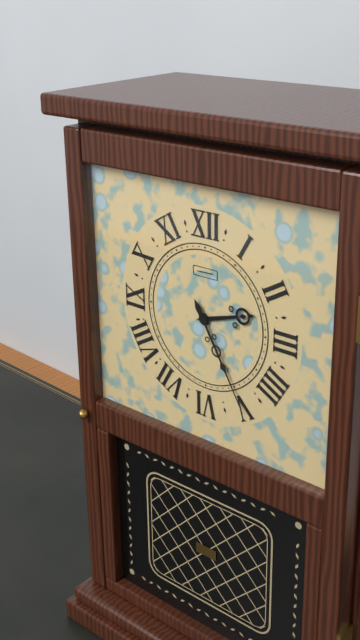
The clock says 2:25
